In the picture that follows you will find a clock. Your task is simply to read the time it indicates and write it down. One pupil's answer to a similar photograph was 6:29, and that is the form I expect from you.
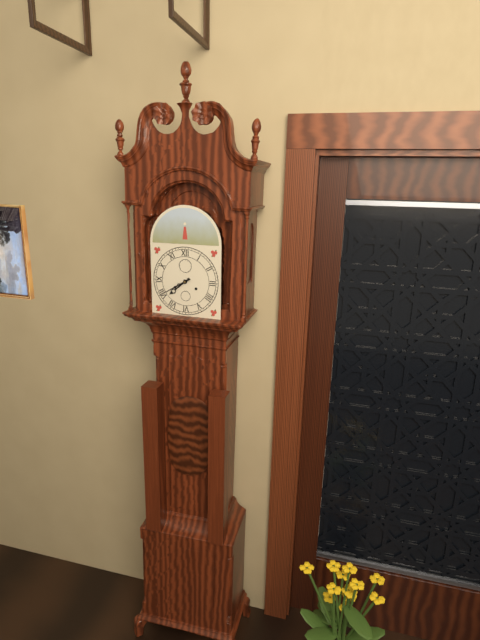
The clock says 7:40
